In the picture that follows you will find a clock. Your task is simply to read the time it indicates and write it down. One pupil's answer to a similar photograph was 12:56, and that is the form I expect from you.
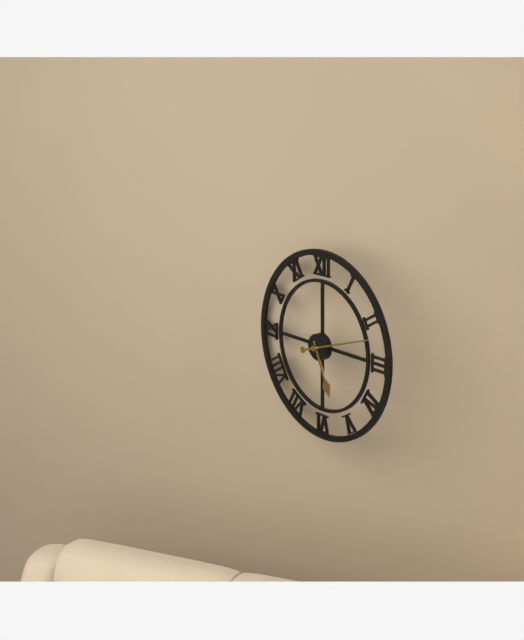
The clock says 5:12
